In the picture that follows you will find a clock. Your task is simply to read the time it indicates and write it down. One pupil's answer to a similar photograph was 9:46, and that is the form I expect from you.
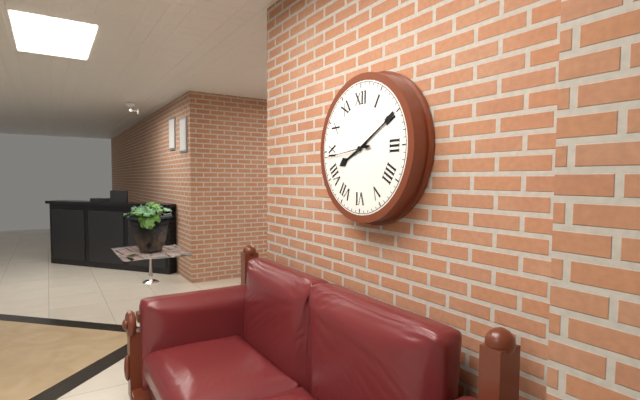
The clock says 8:10
